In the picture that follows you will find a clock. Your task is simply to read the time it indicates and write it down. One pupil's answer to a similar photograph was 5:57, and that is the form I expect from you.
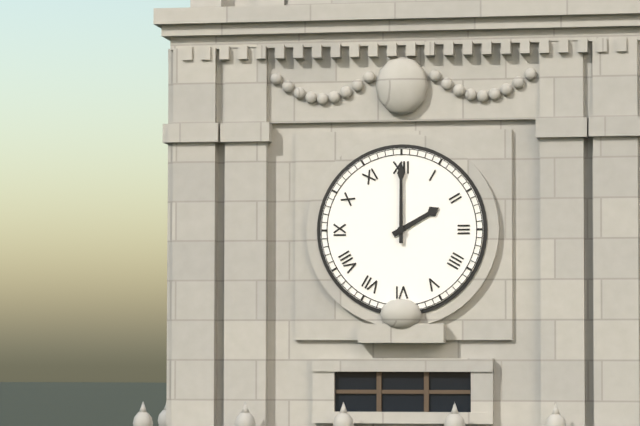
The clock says 2:00
